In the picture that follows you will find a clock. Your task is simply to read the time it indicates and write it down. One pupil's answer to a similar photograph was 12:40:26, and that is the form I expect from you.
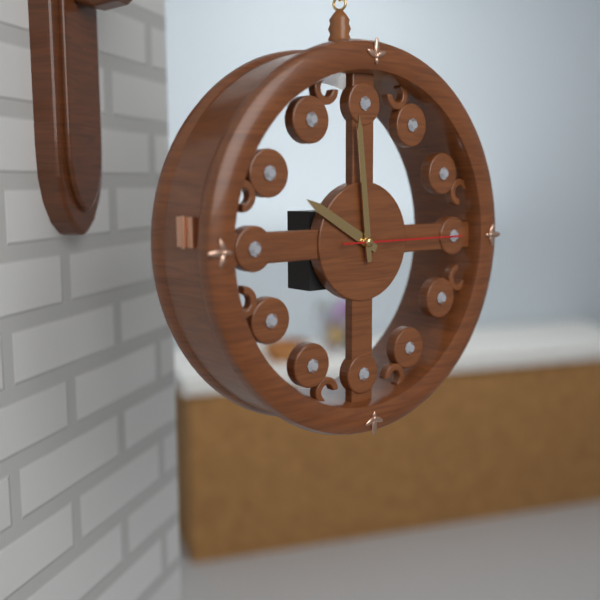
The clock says 9:59:15
